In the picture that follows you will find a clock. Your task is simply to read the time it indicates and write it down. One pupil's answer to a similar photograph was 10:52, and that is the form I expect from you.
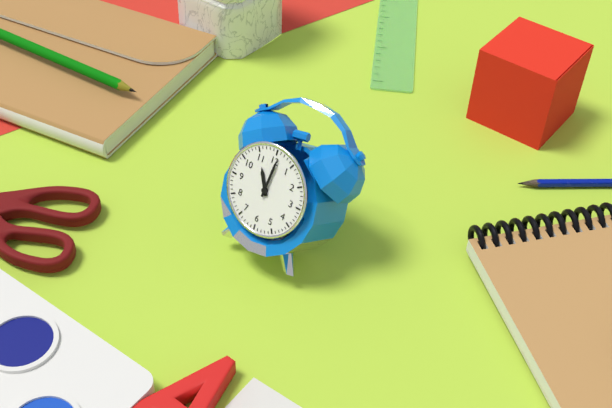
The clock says 11:01
